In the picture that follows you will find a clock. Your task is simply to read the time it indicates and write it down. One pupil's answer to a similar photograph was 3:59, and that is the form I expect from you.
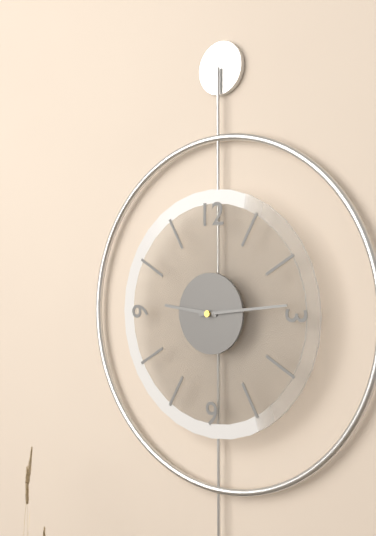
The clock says 9:14
